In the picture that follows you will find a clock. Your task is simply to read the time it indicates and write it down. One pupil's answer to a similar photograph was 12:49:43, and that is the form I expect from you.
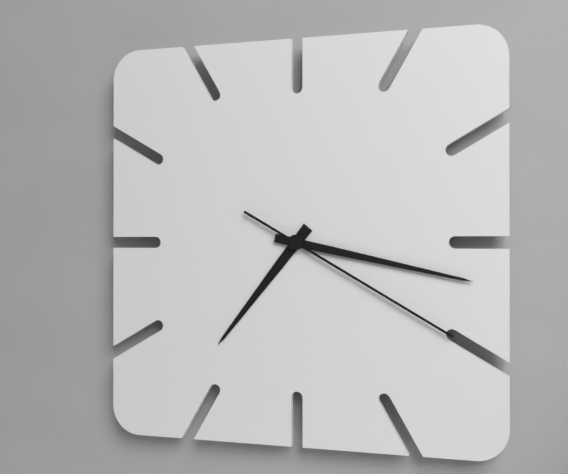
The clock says 7:17:20
